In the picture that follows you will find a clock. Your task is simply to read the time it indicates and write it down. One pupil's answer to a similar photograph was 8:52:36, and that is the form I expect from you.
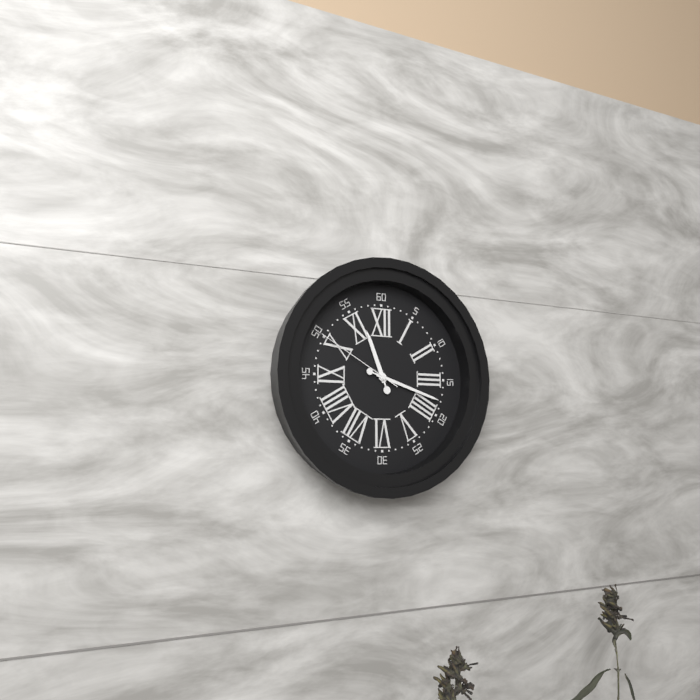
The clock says 11:18:50
